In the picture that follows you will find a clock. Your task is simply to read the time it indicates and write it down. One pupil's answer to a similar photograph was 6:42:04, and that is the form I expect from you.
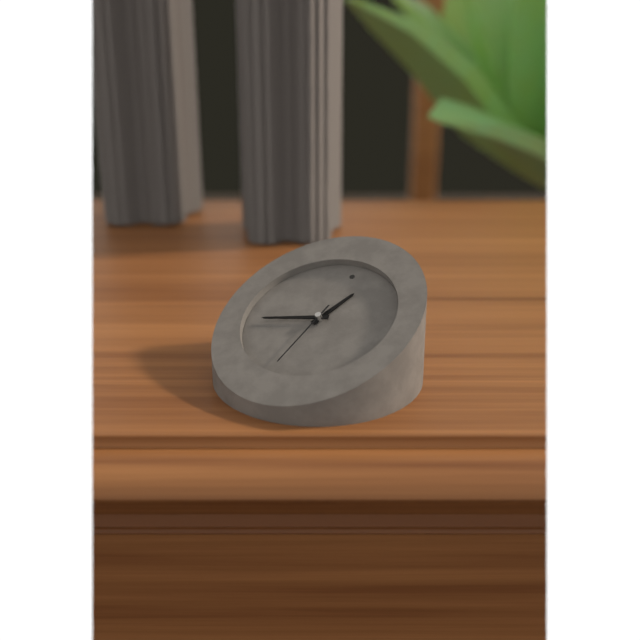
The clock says 12:42:31
